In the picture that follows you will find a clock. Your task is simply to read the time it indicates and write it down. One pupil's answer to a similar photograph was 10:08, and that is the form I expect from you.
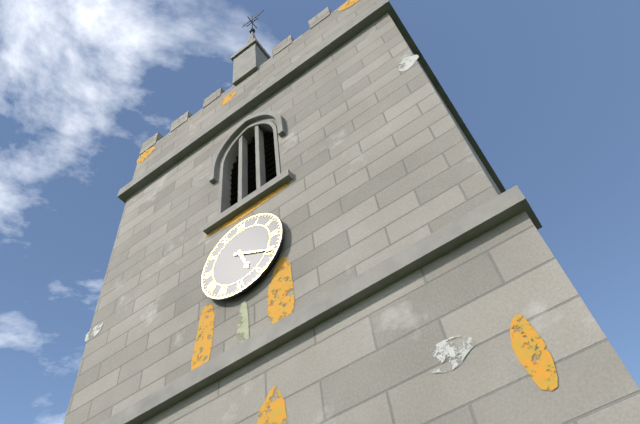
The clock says 5:20
